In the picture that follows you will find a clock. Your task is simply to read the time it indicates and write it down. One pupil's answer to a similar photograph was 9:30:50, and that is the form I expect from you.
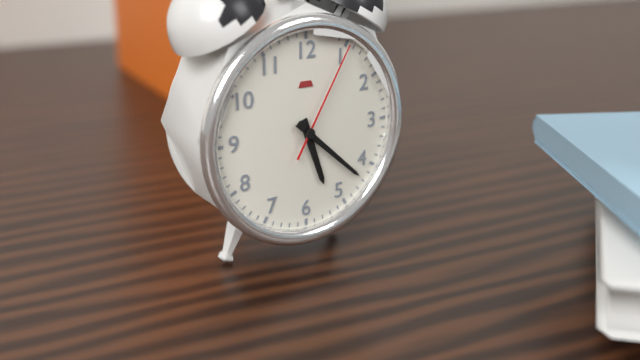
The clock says 5:22:05
